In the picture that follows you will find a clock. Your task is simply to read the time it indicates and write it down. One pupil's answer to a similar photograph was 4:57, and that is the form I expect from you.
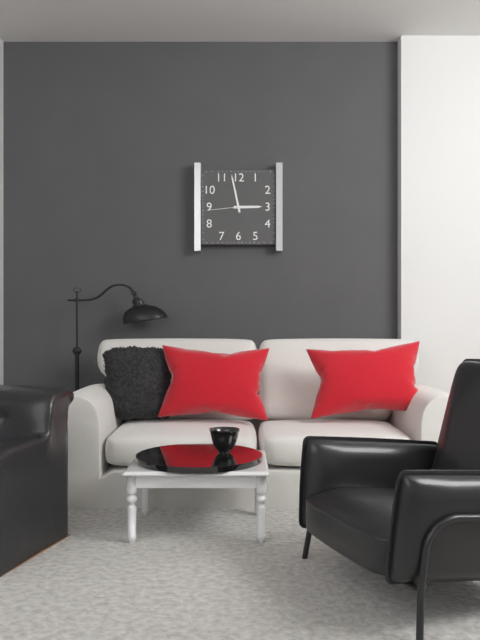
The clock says 2:58
